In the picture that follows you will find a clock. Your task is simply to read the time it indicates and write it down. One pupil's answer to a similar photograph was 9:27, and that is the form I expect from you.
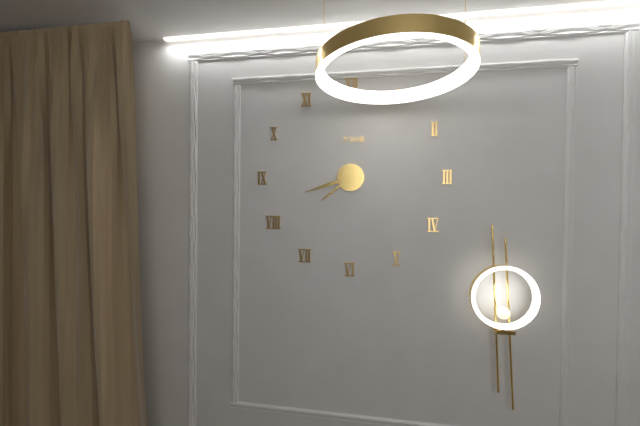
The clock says 7:42
